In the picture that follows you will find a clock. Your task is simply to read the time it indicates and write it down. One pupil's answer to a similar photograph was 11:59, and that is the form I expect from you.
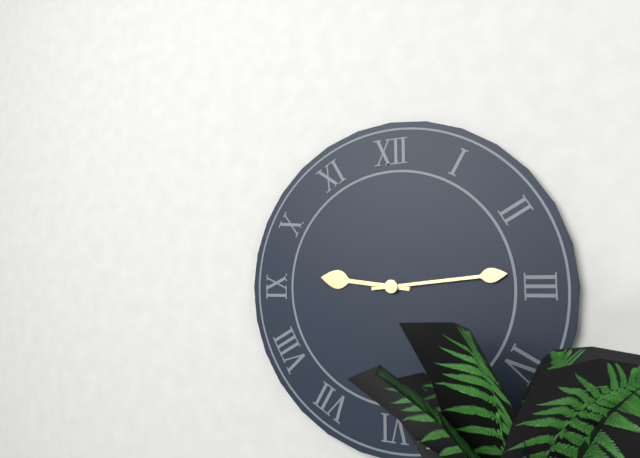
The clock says 9:14
